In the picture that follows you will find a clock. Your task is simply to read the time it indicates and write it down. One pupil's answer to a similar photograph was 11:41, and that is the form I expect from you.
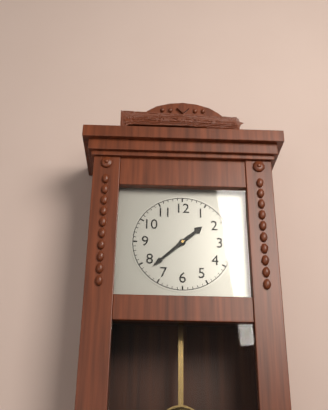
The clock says 1:38
